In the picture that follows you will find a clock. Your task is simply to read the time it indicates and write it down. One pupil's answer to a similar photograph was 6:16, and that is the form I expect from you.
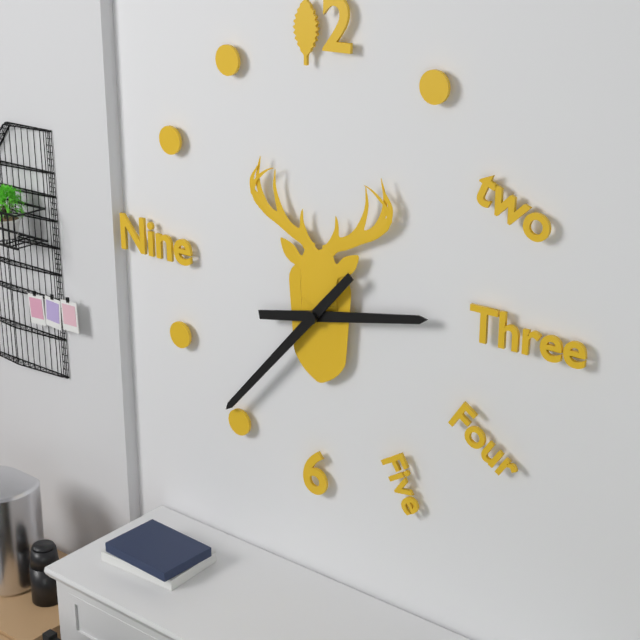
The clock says 2:37
